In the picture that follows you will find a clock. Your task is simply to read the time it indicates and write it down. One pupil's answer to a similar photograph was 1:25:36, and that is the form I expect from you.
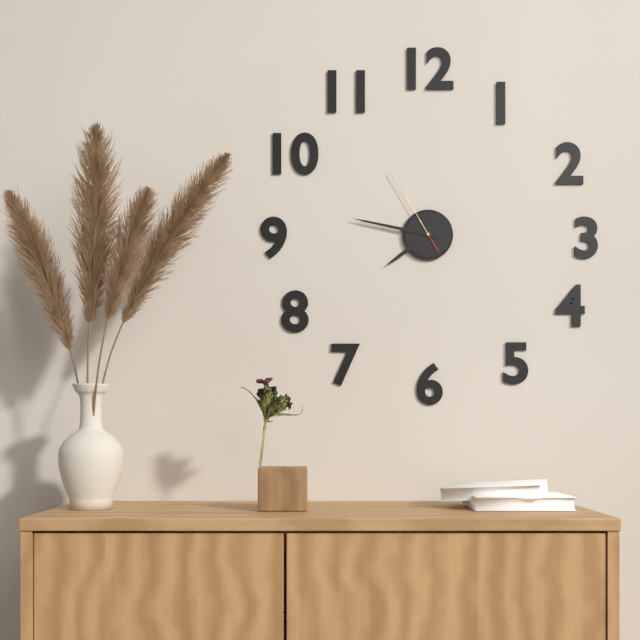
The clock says 7:47:55
